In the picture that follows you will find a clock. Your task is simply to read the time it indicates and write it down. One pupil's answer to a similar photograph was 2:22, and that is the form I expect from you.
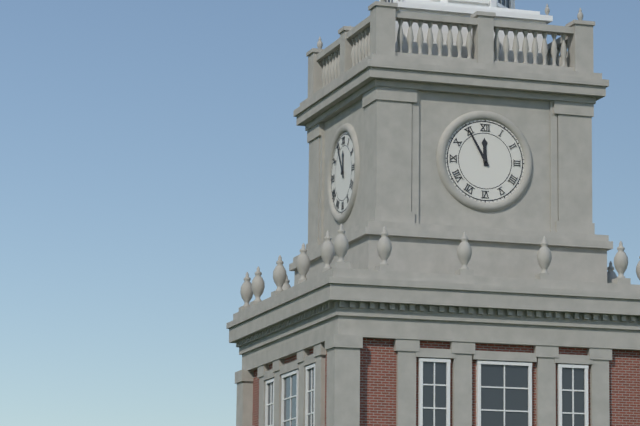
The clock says 11:55
